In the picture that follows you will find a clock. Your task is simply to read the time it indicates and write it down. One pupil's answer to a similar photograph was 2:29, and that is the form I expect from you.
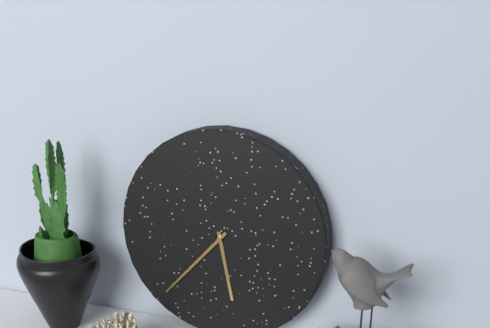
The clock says 5:37
